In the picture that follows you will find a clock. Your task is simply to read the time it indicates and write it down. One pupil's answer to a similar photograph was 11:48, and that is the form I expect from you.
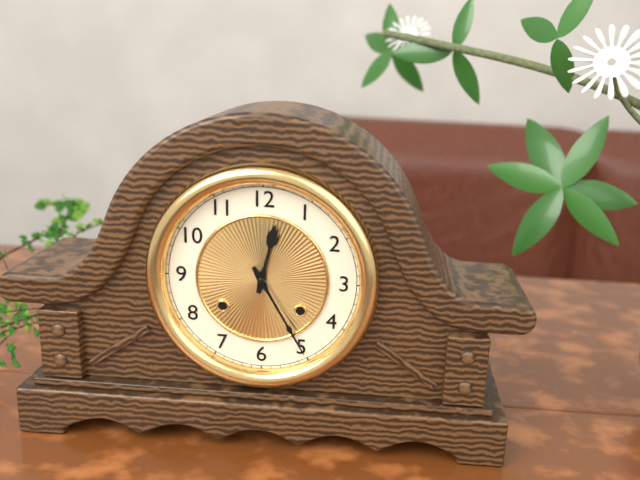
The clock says 12:25
